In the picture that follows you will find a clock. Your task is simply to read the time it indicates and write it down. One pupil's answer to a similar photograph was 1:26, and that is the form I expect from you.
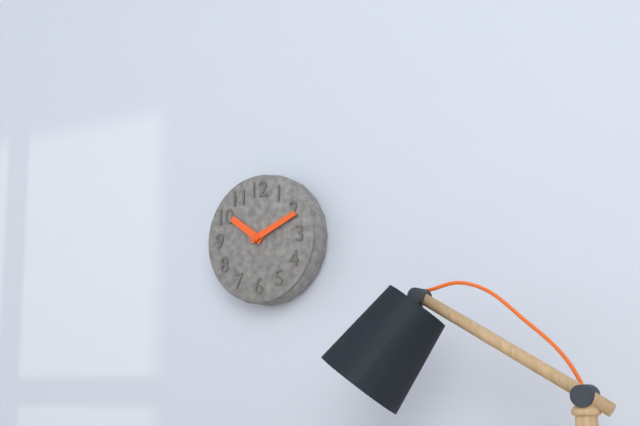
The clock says 10:11
